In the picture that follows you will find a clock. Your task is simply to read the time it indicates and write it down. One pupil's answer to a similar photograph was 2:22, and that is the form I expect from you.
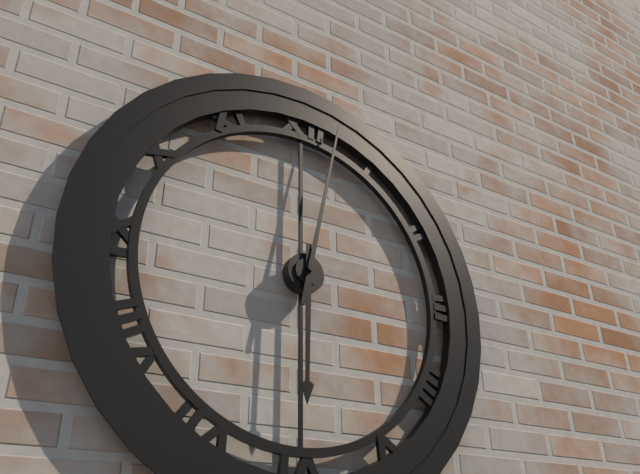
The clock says 6:02
